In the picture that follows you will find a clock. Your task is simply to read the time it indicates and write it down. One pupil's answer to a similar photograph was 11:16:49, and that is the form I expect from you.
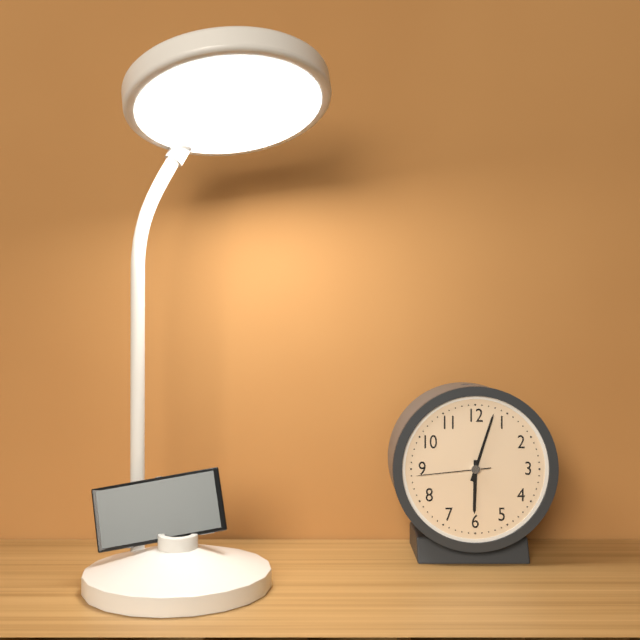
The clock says 6:03:44
